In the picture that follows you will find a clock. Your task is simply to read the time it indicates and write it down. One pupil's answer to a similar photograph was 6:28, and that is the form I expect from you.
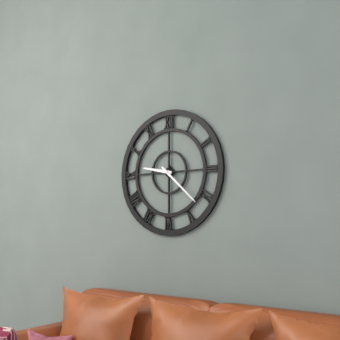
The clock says 9:22
